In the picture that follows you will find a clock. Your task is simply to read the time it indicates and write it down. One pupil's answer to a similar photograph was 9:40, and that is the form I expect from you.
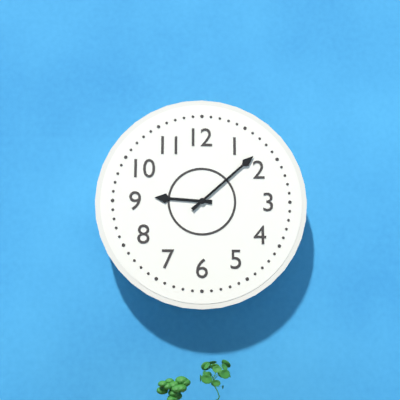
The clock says 9:08
